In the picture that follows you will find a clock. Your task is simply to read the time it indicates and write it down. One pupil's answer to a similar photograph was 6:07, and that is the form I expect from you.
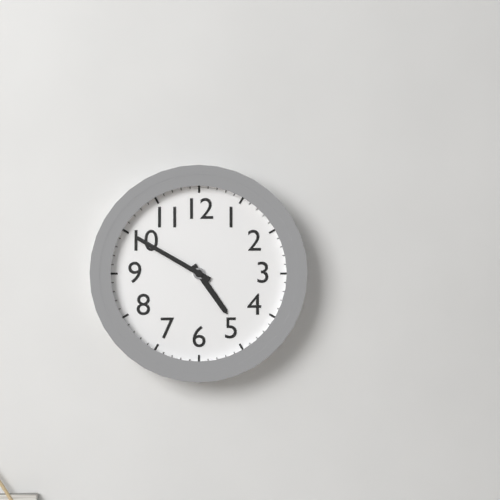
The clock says 4:50
